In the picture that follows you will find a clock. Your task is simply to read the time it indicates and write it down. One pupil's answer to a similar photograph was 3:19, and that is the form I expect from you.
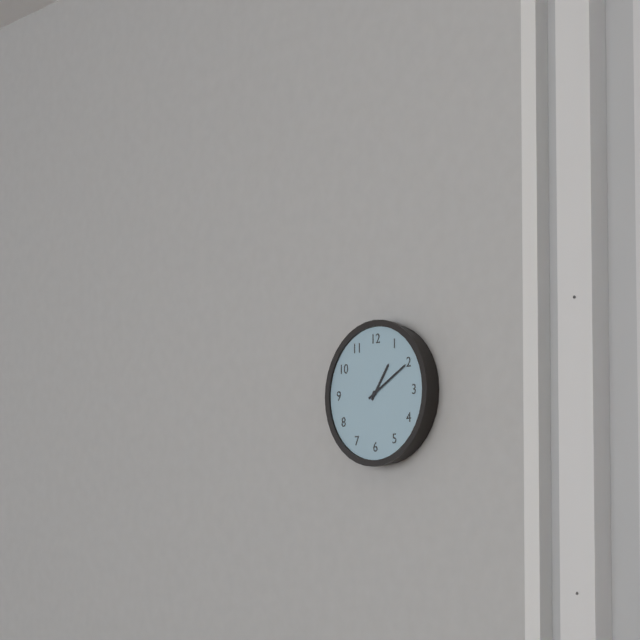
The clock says 1:10
